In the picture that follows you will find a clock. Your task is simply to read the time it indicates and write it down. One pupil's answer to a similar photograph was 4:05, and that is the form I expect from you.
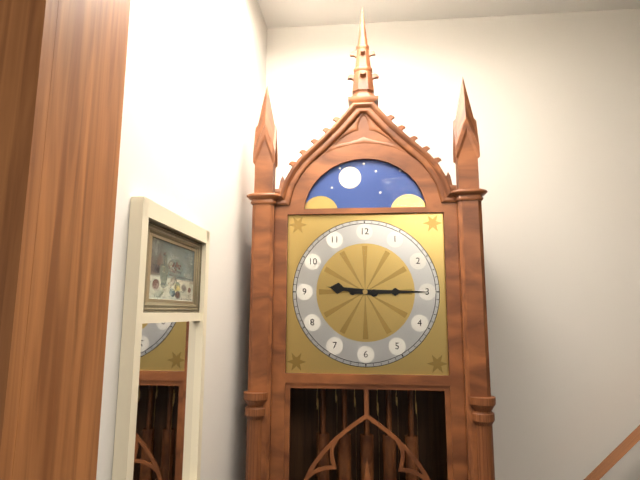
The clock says 9:15
